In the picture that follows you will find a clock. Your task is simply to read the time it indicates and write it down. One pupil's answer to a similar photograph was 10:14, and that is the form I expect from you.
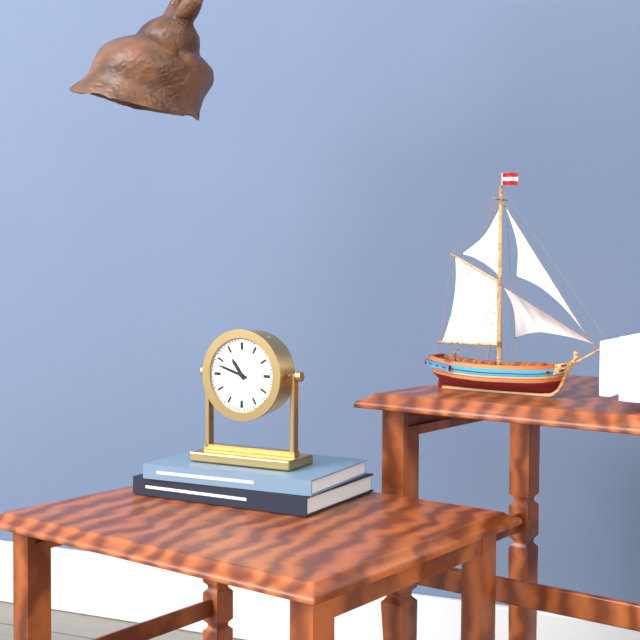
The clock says 10:48
